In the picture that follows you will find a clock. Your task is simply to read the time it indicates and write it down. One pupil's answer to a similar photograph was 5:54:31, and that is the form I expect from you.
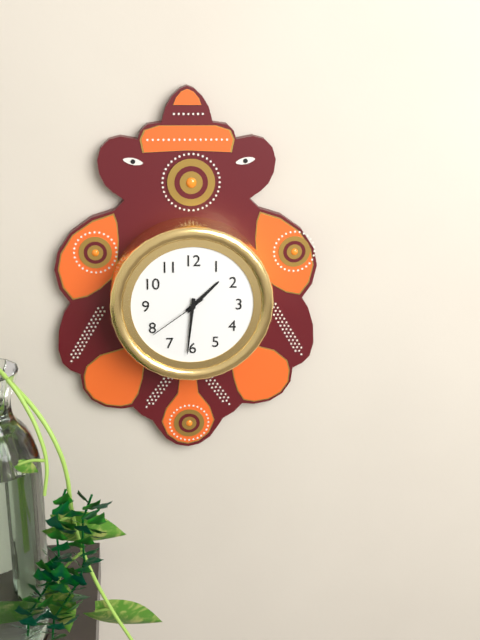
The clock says 1:31:39
